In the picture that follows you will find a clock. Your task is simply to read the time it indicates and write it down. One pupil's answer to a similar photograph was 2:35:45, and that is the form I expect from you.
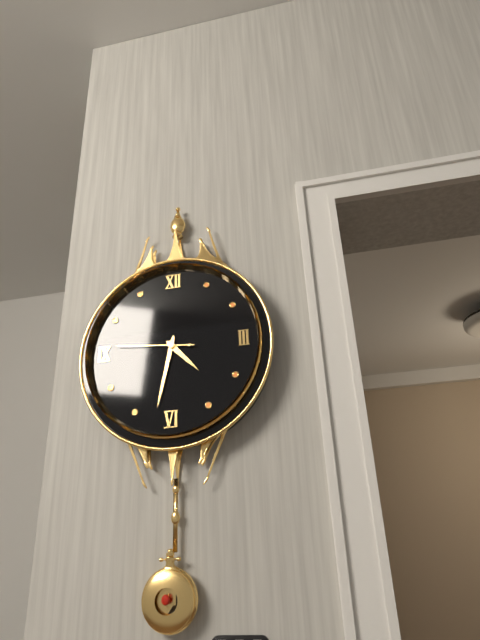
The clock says 4:32:46
